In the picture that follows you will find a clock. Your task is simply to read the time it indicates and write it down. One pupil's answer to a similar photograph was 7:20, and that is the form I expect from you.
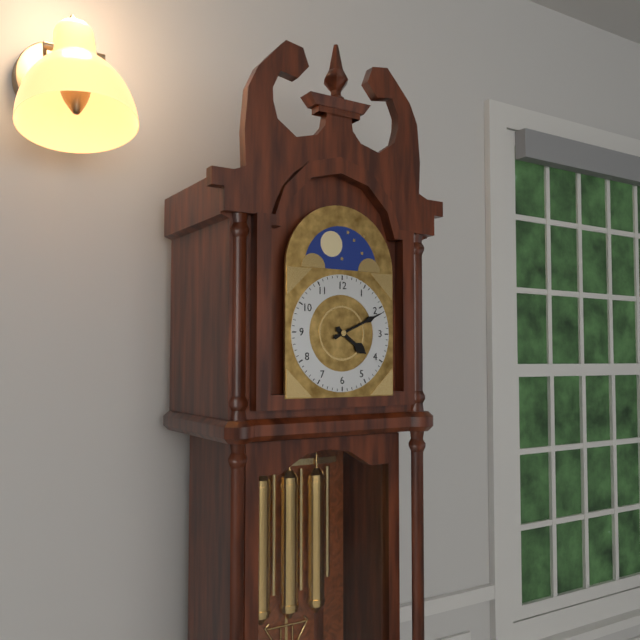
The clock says 4:11
